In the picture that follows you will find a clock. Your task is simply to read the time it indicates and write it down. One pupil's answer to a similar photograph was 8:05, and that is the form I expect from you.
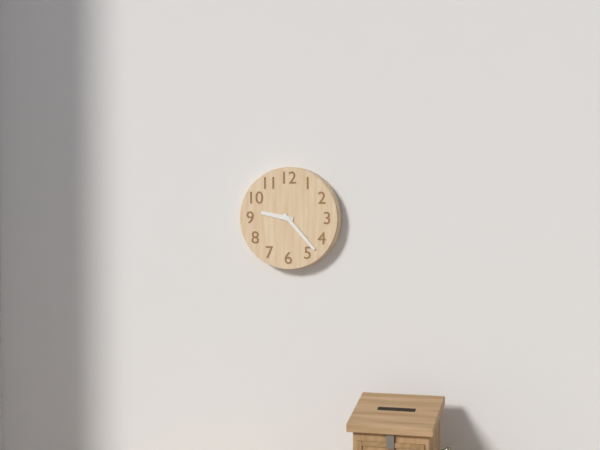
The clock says 9:23
